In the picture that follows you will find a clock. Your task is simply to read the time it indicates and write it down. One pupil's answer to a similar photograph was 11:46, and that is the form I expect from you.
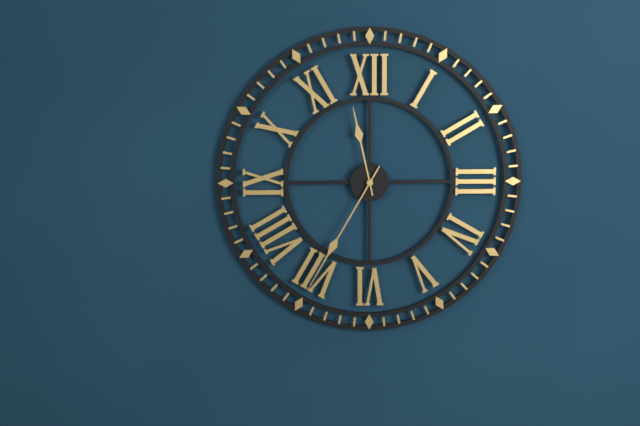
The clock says 11:35
